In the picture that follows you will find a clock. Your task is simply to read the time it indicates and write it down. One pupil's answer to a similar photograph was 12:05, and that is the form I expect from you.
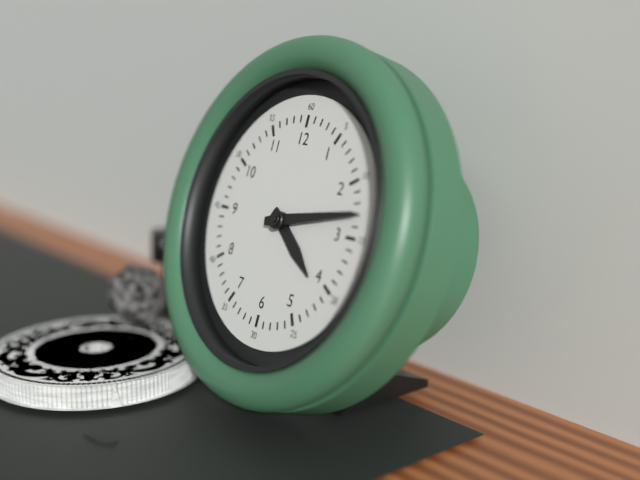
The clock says 4:13
